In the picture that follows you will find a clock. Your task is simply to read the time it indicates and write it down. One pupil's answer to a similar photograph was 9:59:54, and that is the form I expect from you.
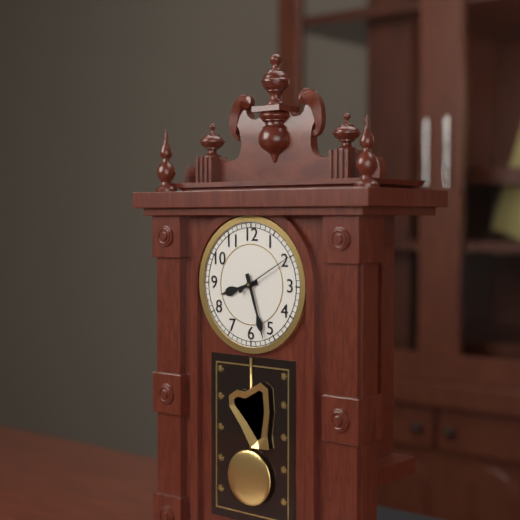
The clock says 8:27:10
